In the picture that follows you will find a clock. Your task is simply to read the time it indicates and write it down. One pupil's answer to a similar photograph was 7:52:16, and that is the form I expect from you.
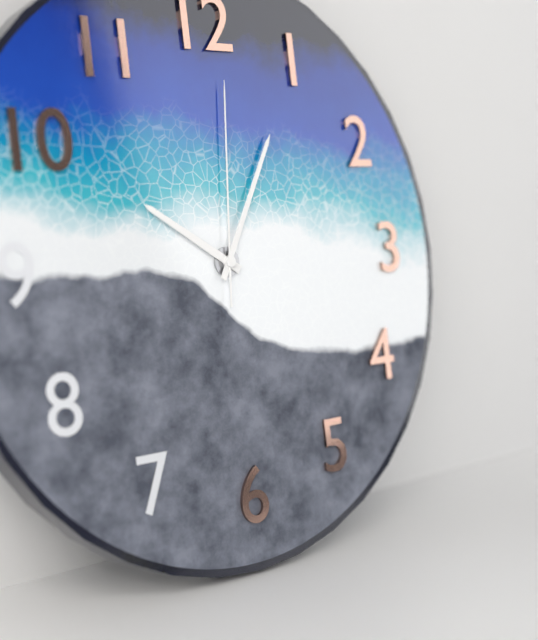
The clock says 10:05:01
